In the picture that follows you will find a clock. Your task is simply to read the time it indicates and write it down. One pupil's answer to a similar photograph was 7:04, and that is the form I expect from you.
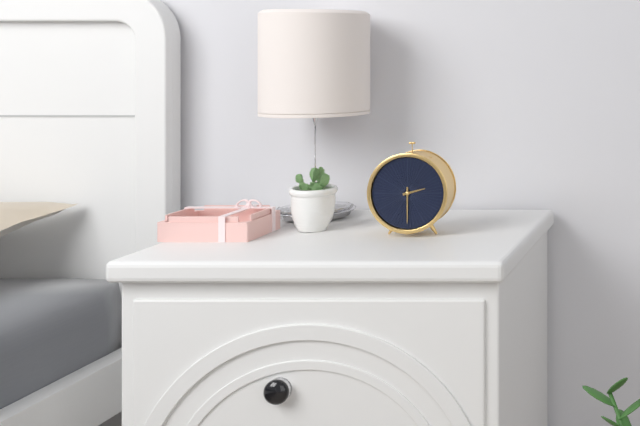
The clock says 2:30
